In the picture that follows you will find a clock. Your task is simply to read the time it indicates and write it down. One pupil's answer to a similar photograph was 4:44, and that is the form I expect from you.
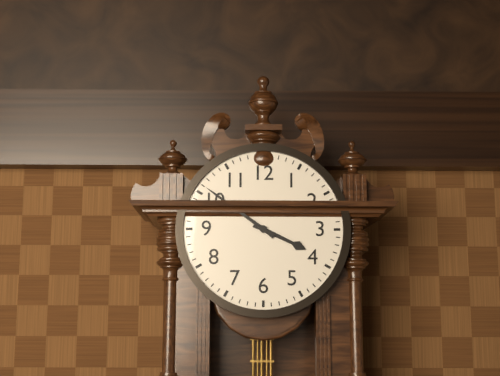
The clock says 3:51
